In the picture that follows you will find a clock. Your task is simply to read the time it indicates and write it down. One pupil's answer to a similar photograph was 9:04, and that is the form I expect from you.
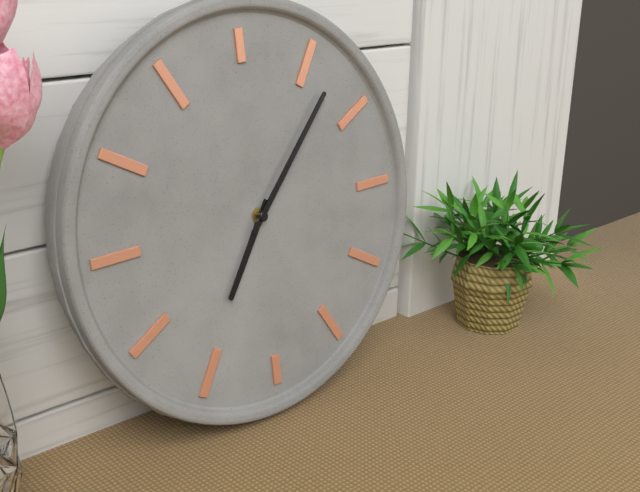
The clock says 7:07
